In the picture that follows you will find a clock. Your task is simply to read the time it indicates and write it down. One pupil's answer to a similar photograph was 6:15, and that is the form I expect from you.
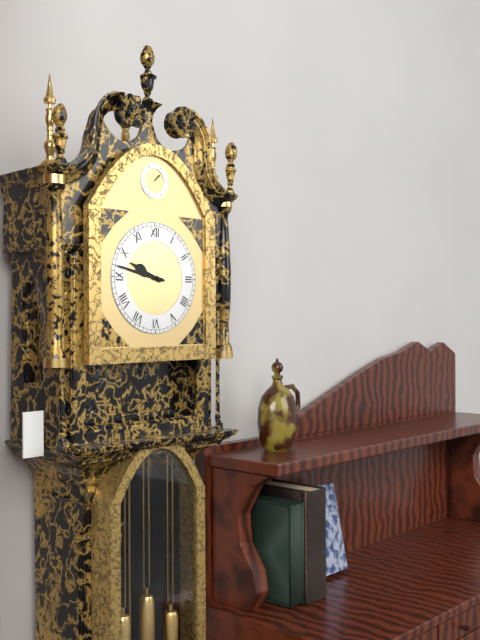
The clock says 9:47
